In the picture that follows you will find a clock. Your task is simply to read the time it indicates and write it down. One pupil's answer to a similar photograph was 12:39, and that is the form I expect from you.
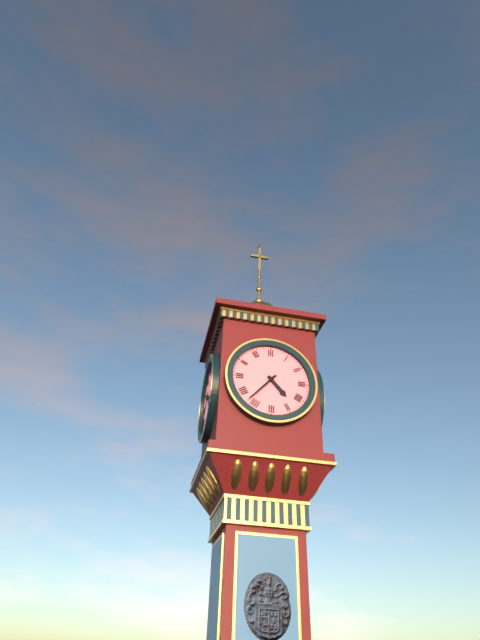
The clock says 4:37
